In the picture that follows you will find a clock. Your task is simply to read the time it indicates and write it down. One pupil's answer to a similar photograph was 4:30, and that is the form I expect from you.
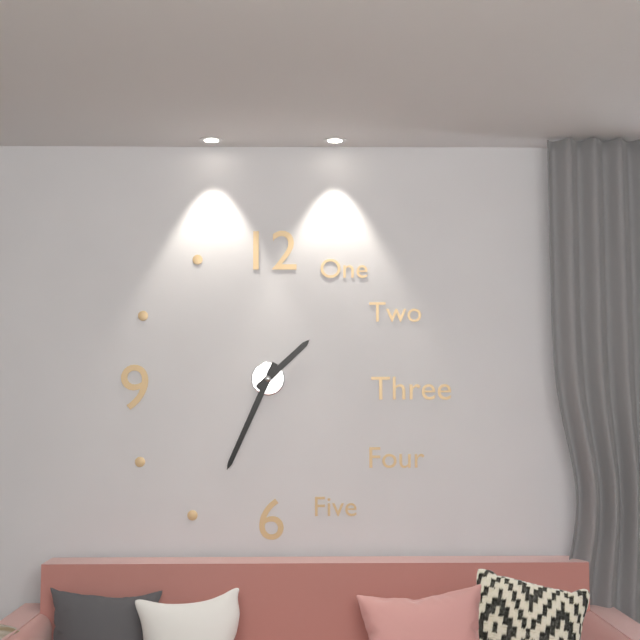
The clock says 1:34
